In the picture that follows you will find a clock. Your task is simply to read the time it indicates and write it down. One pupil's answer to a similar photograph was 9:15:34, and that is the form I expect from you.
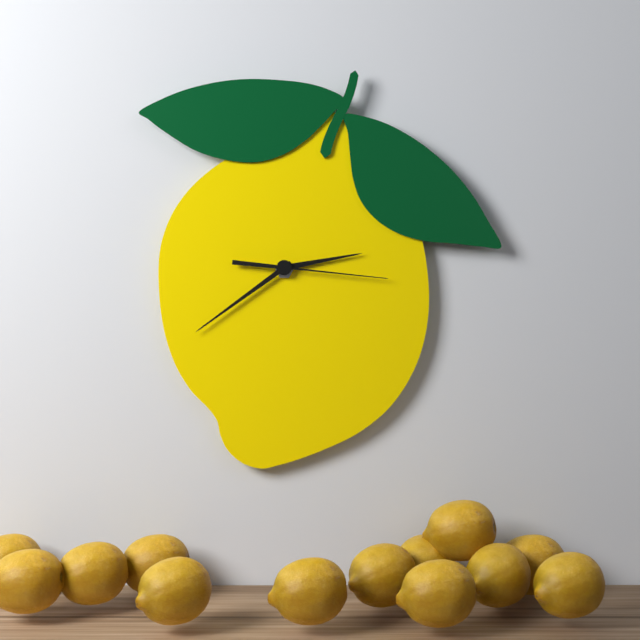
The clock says 2:39:16
